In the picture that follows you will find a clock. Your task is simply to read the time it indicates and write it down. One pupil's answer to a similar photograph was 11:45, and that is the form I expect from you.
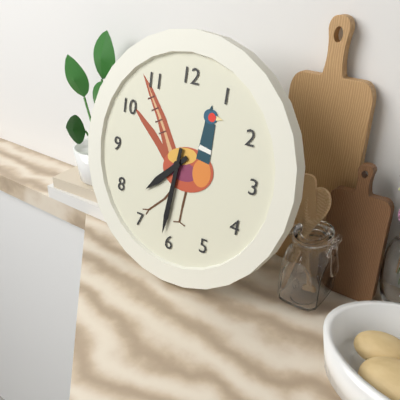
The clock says 7:31
